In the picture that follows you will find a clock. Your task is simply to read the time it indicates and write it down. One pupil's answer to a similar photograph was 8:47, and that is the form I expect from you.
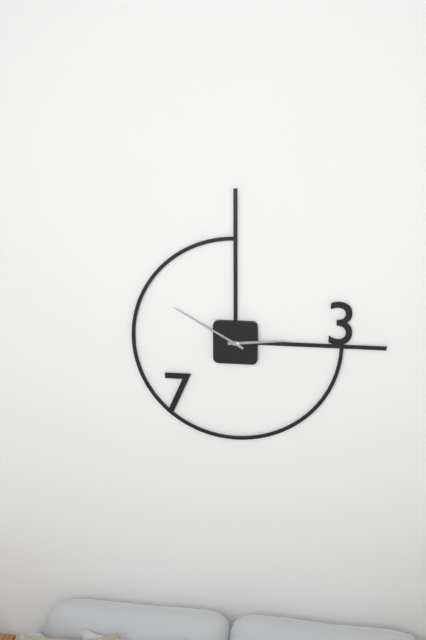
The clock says 2:50
